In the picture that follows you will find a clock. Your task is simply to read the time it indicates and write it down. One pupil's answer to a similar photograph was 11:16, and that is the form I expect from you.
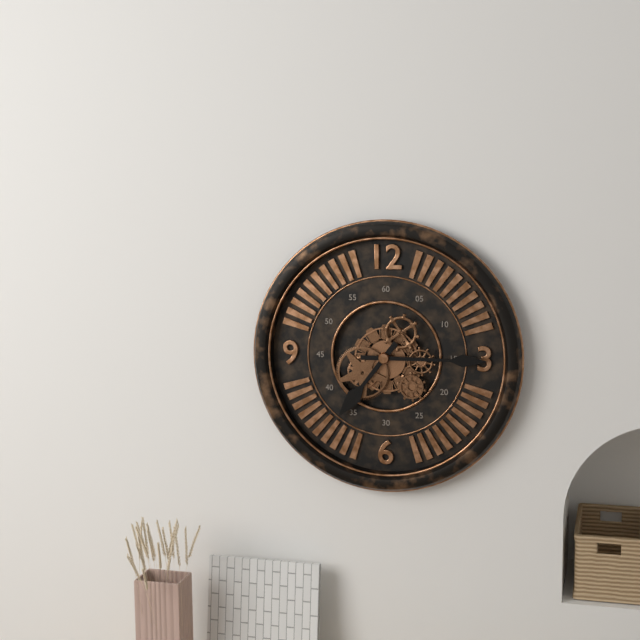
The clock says 7:15
